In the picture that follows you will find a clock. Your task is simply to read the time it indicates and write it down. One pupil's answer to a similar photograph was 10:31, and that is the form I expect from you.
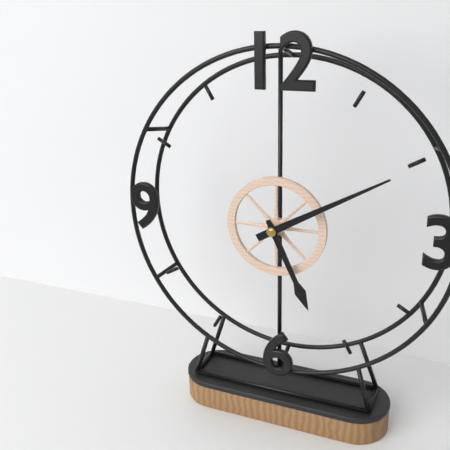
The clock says 5:10
